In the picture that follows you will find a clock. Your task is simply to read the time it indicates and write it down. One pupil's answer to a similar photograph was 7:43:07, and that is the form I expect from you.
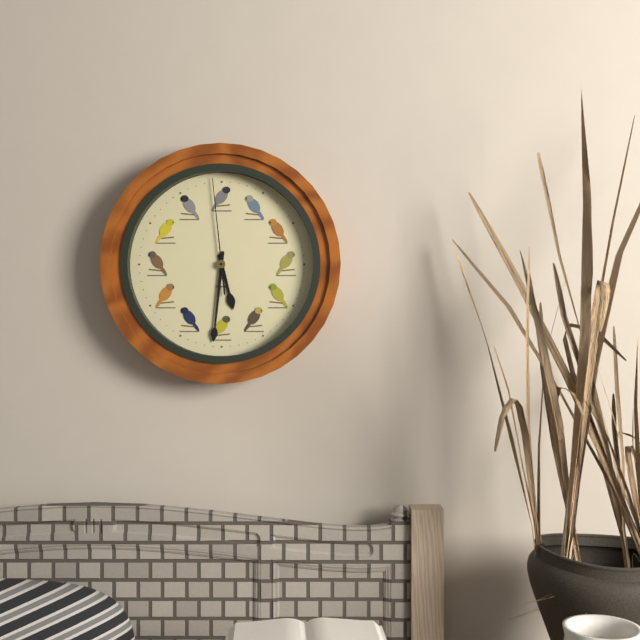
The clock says 5:31:59
